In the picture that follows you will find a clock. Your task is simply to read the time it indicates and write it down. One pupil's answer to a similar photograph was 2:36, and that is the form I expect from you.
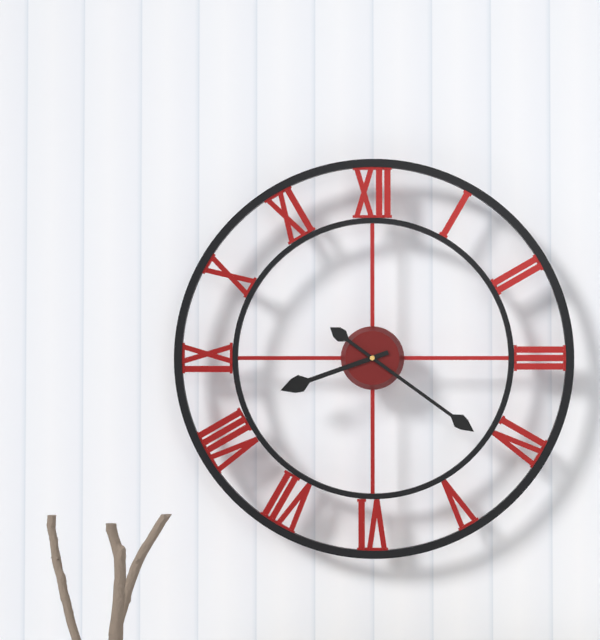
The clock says 8:21
